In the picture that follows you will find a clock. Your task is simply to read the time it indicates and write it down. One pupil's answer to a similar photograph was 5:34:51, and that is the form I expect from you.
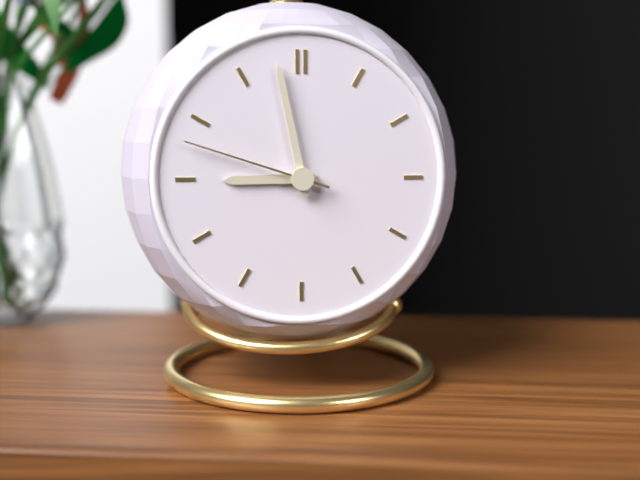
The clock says 8:58:48
